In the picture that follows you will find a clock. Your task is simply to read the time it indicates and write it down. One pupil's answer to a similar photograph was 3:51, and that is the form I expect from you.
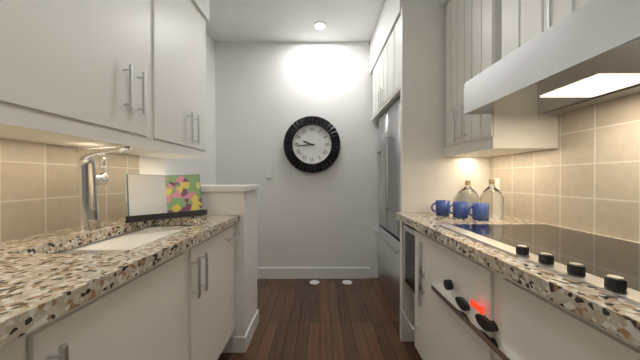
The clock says 9:44
